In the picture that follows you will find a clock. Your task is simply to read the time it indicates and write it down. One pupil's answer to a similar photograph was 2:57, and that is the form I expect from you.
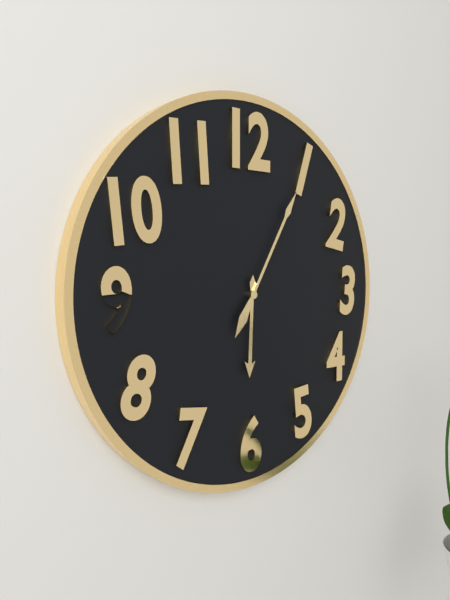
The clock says 6:05
